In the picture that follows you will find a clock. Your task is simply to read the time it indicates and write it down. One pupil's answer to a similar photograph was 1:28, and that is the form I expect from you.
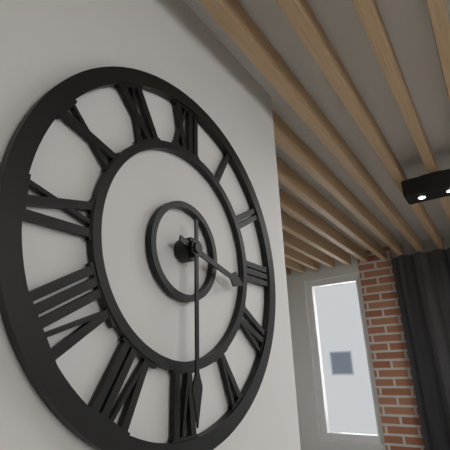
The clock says 3:30
